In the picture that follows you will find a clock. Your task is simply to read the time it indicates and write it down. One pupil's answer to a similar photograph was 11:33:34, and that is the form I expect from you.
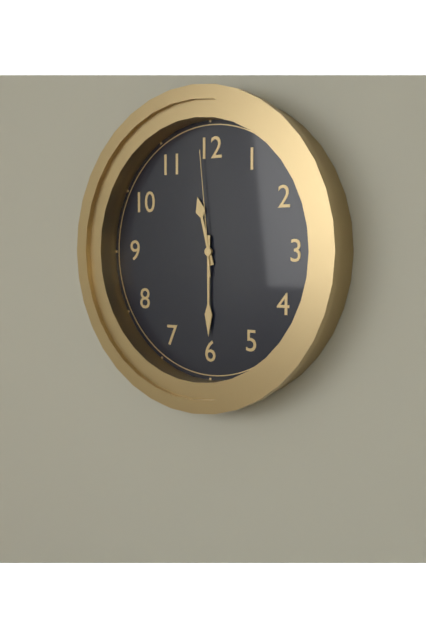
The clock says 11:30:59
